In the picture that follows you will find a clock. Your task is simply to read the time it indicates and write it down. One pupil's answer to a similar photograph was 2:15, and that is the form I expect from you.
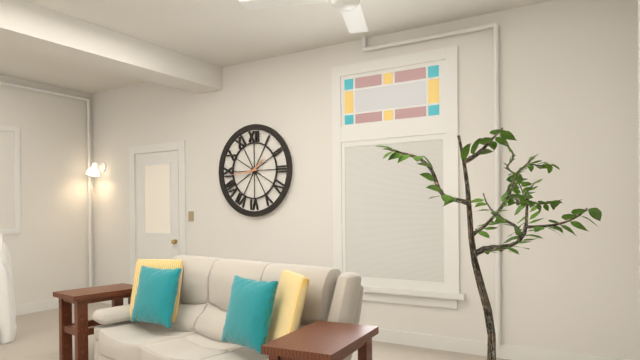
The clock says 1:44
